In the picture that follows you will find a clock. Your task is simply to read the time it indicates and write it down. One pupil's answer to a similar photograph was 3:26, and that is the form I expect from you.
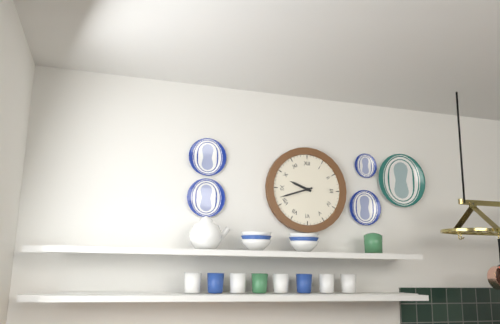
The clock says 9:42
